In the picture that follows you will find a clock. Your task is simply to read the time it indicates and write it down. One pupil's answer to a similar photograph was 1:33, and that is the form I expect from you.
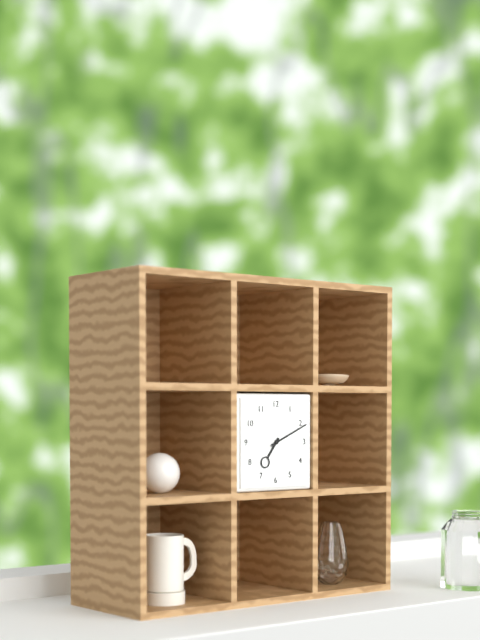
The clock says 7:11
